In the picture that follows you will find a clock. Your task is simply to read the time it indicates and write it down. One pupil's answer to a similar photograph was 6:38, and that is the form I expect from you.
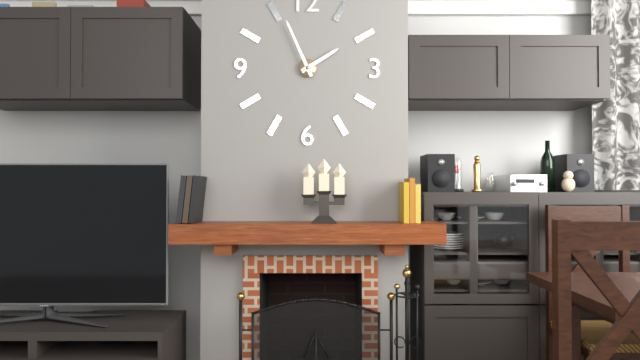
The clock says 1:56
